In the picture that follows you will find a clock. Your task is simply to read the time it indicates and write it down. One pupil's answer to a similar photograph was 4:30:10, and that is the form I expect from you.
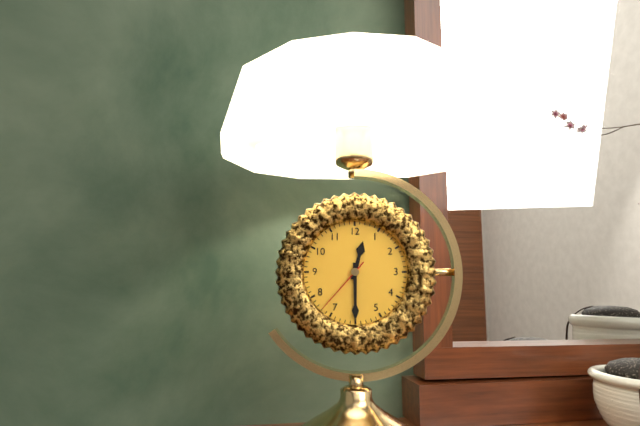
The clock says 12:30:37
